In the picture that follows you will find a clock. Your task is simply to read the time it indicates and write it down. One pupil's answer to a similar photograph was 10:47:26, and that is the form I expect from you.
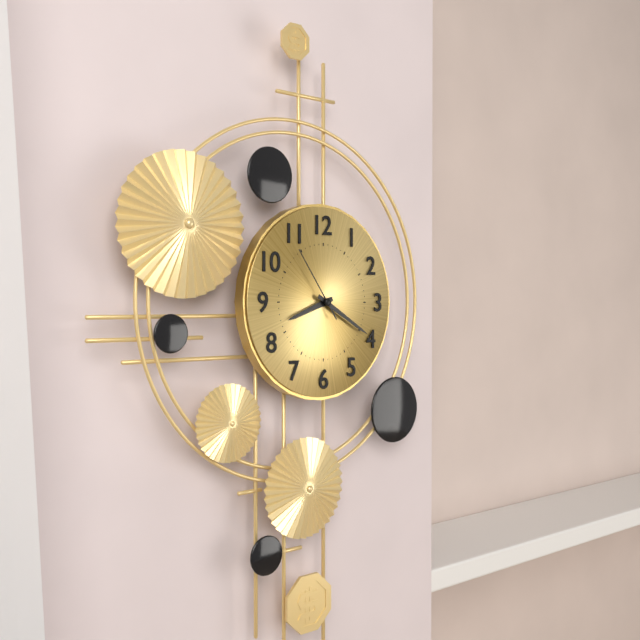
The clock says 8:20:54
